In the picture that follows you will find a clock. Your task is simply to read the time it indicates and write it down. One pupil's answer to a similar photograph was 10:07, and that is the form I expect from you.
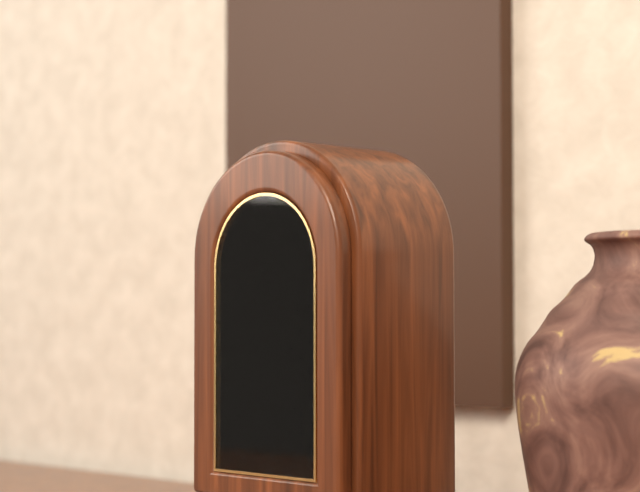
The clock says 10:50
